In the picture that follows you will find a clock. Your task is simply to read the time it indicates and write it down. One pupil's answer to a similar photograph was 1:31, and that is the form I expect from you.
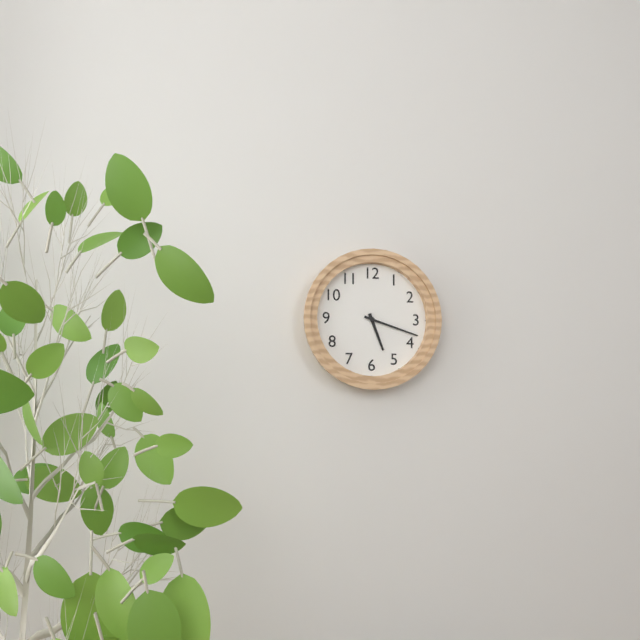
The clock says 5:18
